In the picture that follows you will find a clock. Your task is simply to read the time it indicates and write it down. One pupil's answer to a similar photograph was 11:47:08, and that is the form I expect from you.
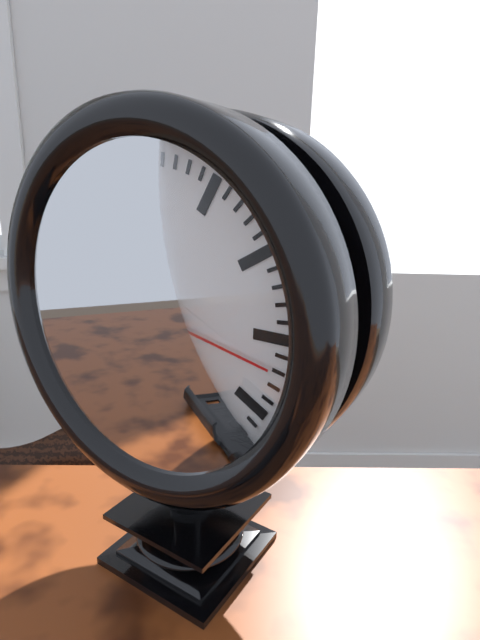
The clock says 5:59:17
